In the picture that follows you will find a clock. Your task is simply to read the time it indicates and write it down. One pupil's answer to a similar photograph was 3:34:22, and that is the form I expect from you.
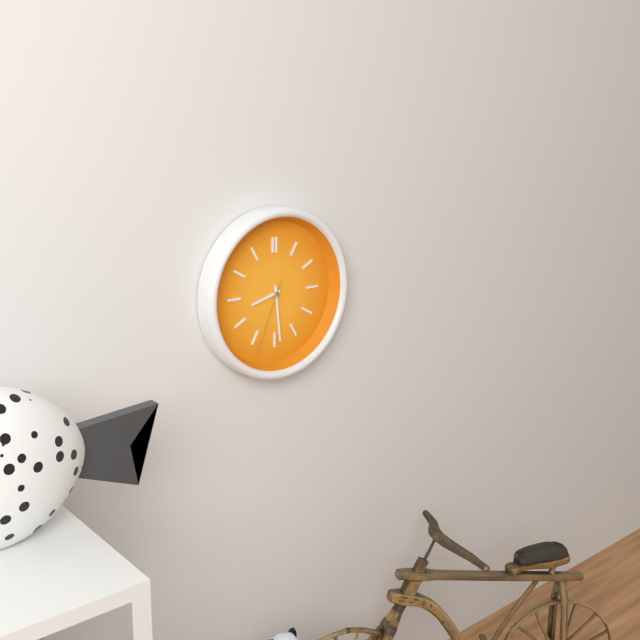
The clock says 8:29:34
